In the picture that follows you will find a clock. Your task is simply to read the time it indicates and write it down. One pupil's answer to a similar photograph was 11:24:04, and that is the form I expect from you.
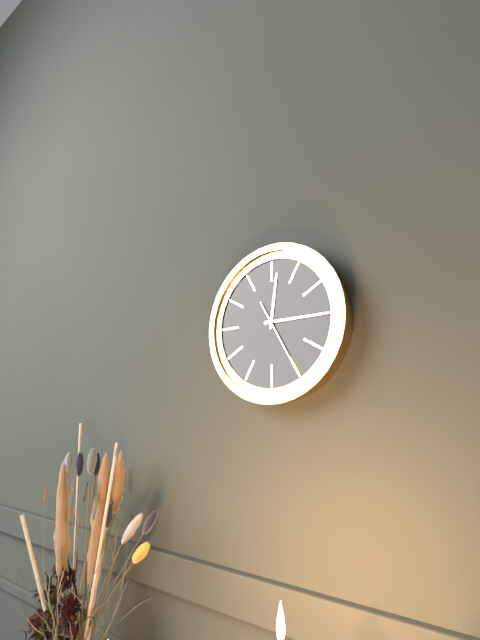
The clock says 12:15:25
